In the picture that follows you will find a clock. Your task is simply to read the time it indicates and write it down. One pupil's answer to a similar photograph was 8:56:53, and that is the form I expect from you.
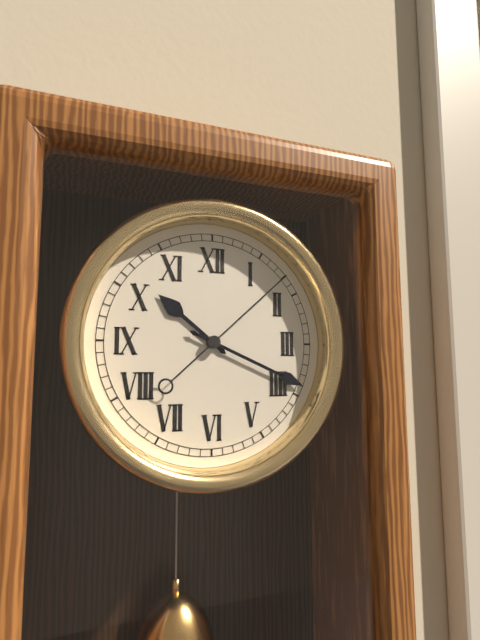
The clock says 10:19:08
